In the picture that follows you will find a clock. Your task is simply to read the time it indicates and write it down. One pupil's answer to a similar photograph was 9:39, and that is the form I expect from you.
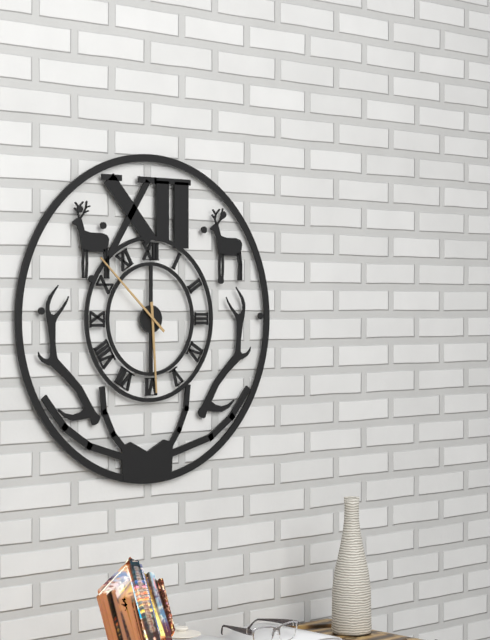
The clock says 5:52
